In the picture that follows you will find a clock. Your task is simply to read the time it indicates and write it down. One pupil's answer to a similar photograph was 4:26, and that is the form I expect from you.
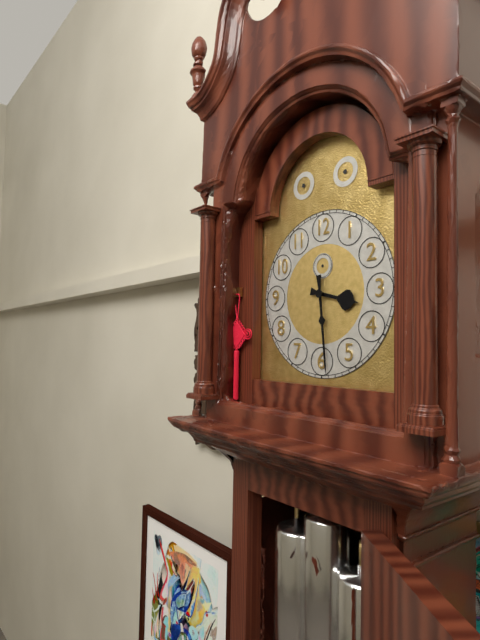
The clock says 3:29
